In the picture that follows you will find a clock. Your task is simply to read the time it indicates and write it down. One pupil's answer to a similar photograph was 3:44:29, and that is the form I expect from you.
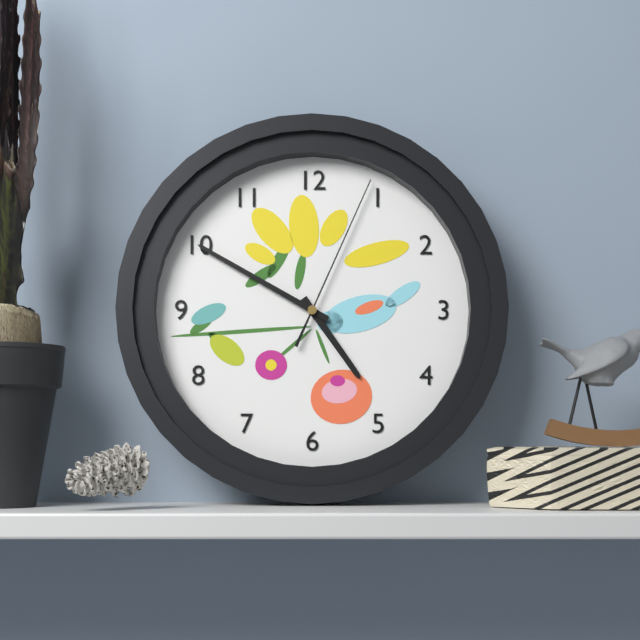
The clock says 4:50:04
